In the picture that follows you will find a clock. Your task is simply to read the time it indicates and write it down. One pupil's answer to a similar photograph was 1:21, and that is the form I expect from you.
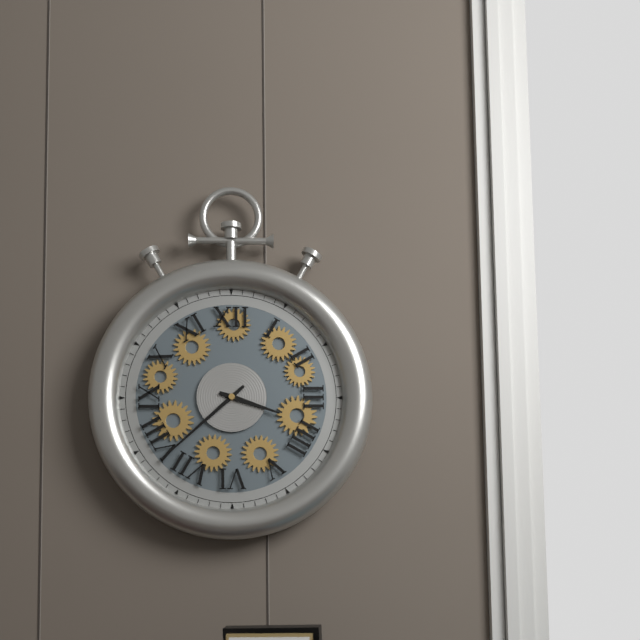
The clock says 3:38
